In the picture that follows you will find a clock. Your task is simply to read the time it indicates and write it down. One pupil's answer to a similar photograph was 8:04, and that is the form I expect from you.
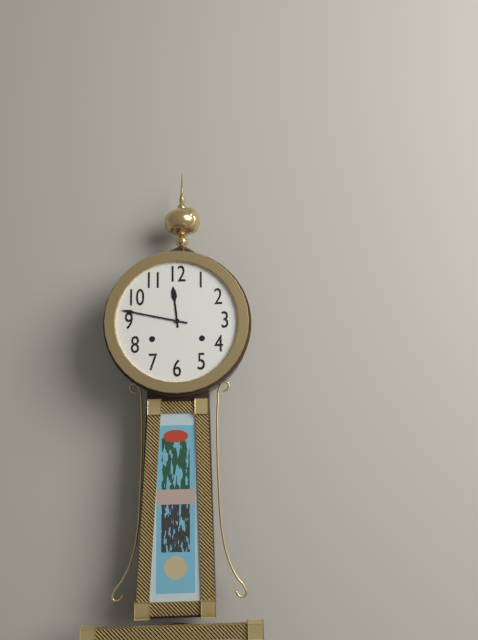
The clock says 11:47
